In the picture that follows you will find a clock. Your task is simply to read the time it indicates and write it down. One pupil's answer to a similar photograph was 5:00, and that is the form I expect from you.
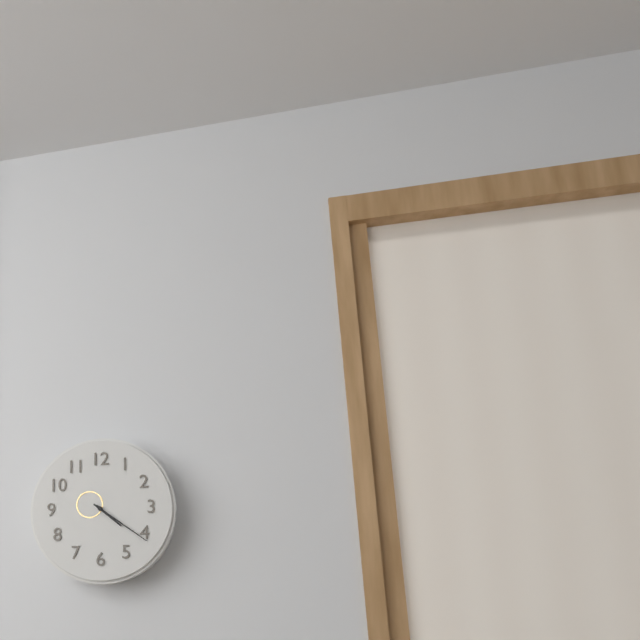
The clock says 4:21
